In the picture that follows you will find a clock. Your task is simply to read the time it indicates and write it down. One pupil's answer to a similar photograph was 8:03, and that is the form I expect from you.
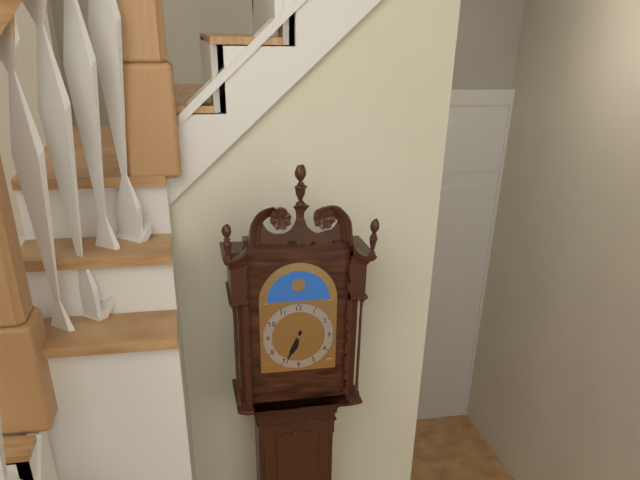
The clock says 6:34
